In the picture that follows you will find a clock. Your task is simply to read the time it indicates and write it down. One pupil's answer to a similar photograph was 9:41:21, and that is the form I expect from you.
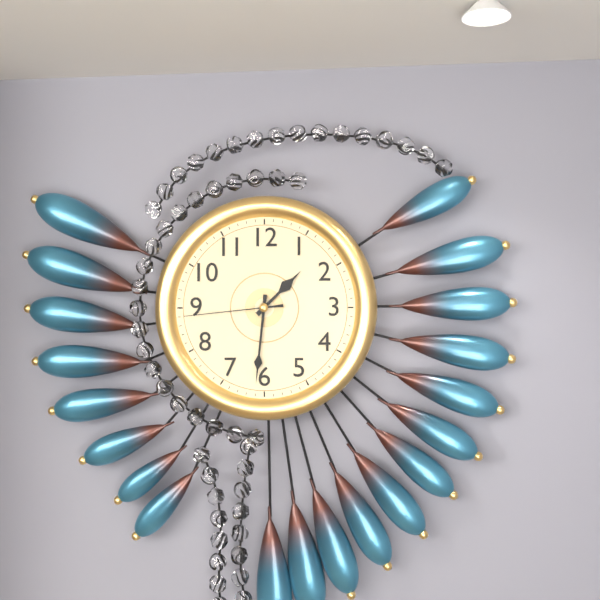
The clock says 1:31:44
